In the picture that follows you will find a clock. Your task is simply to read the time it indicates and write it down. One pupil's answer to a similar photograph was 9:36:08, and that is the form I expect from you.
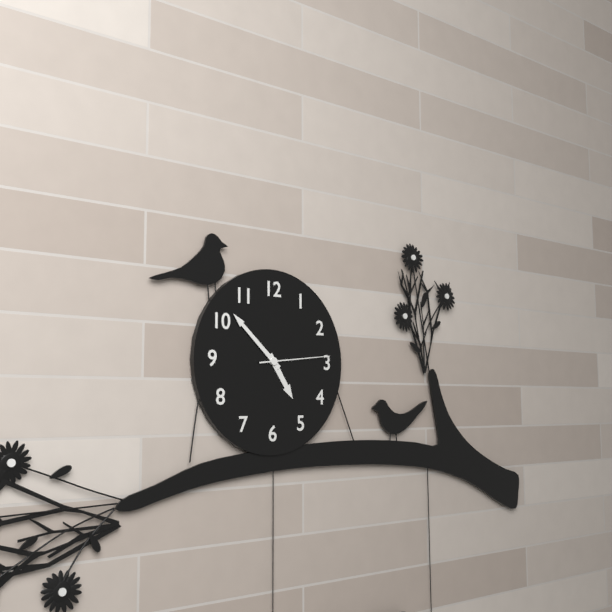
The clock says 4:52:14
